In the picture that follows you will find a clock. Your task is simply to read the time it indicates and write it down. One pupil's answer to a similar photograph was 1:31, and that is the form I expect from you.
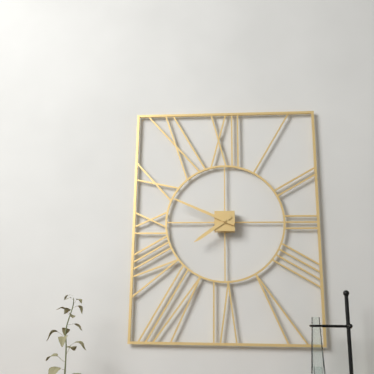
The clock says 7:49
